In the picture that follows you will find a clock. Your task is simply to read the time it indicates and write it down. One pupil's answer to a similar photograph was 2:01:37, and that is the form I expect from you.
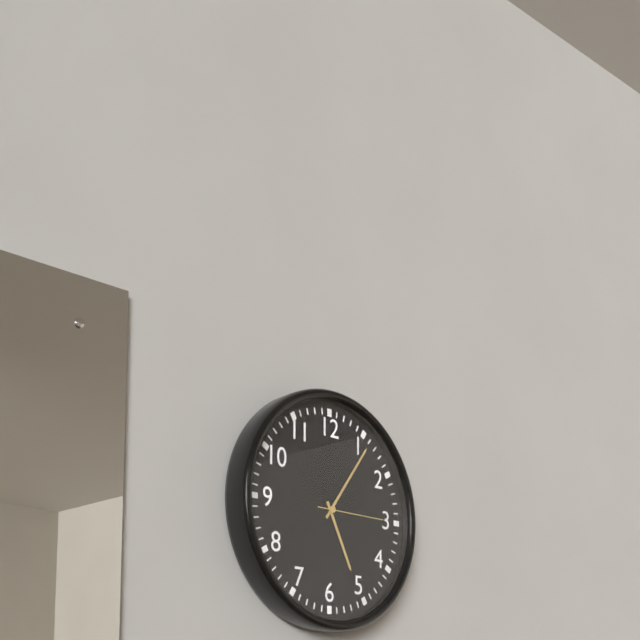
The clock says 5:06:15
